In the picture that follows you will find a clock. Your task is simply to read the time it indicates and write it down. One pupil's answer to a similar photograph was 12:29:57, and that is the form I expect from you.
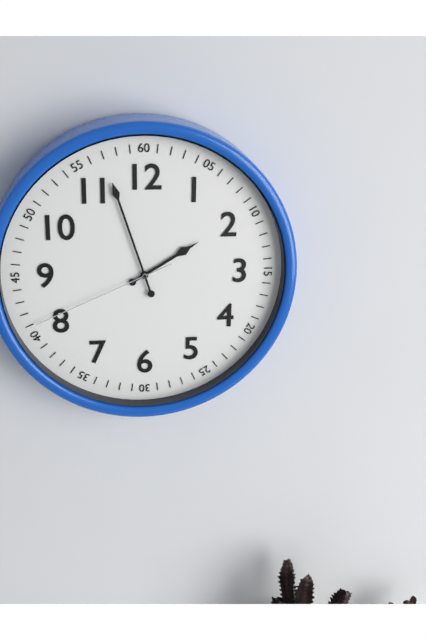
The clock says 1:57:41
